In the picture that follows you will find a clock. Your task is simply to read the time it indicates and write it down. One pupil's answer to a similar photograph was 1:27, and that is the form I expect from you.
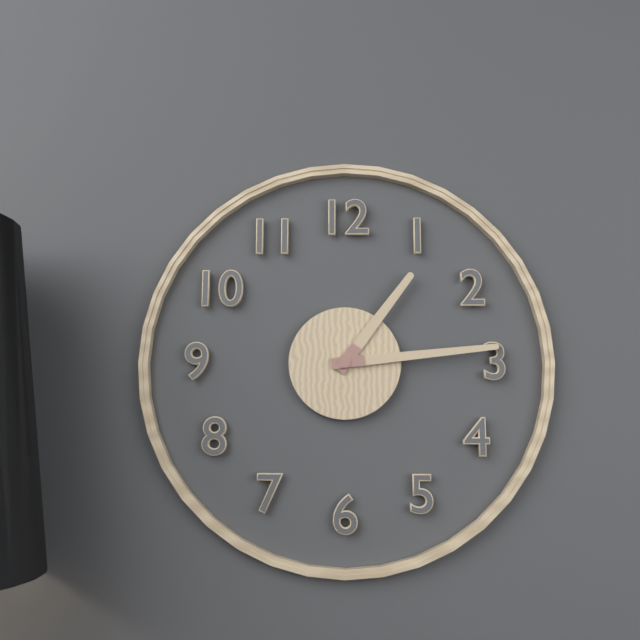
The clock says 1:14
